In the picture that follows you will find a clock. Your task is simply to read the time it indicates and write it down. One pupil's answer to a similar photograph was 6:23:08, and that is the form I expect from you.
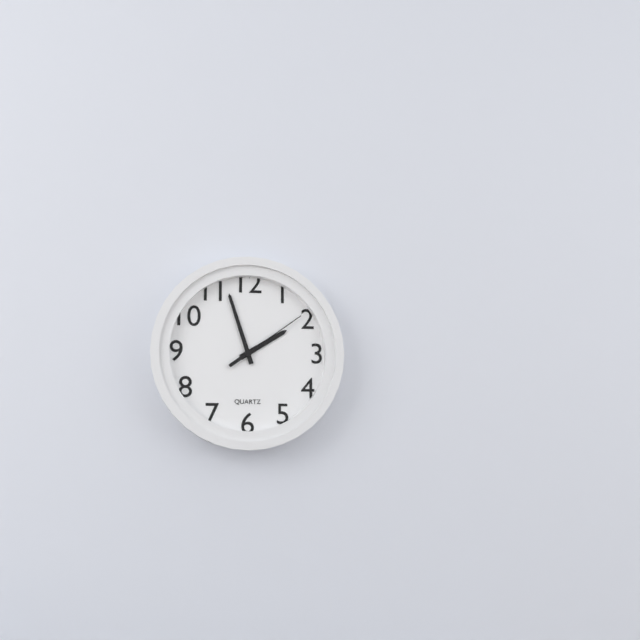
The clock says 1:57:09
